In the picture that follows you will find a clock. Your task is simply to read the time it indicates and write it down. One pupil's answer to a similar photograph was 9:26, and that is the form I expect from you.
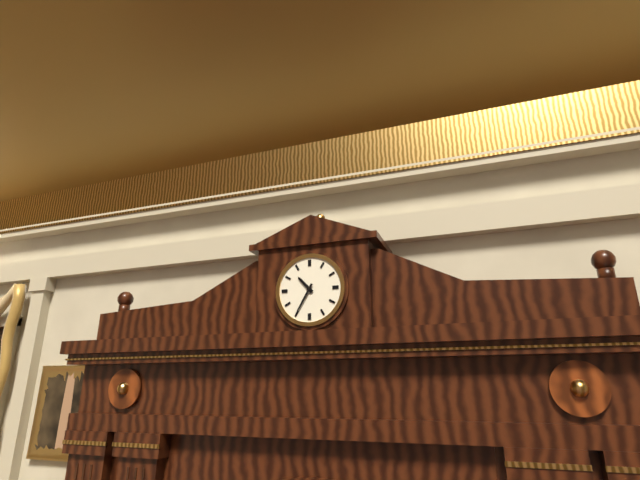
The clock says 10:35
